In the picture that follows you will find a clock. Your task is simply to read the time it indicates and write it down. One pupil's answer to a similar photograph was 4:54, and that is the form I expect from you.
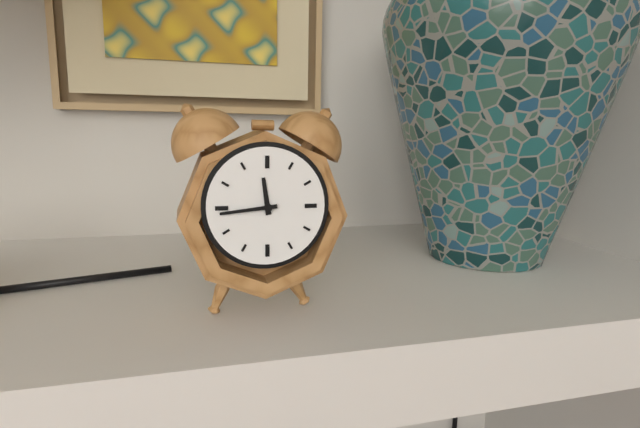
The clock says 11:44
